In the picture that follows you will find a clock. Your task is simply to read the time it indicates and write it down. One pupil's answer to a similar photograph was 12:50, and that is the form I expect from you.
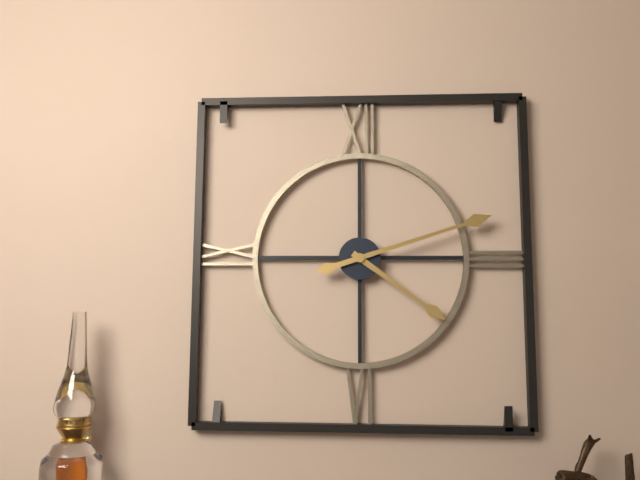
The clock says 4:12
